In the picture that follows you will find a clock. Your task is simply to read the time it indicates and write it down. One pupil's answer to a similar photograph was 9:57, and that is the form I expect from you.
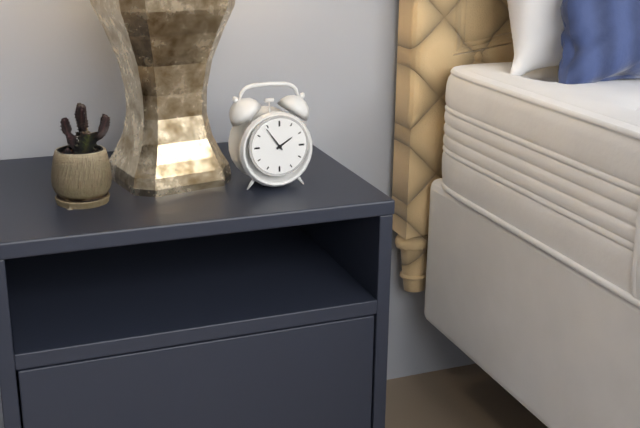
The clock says 1:54
